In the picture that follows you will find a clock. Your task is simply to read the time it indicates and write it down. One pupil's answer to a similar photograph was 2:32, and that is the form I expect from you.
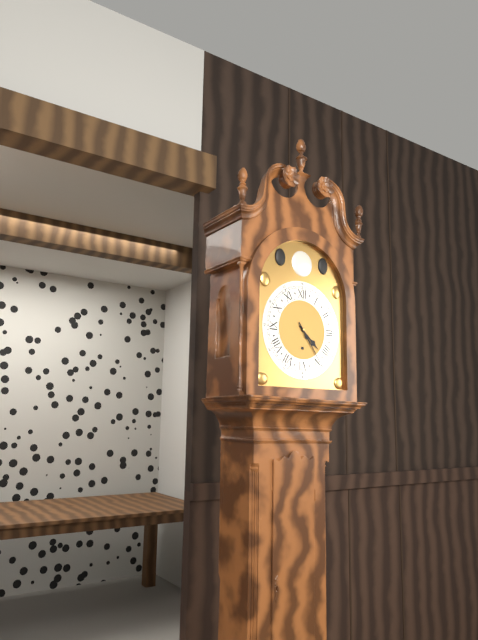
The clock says 4:24
